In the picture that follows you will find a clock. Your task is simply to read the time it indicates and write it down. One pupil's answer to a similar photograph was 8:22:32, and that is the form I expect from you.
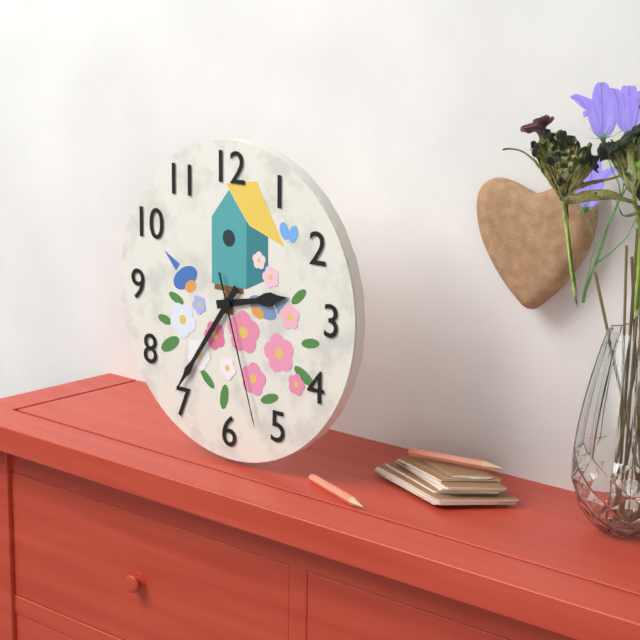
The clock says 2:36:27
